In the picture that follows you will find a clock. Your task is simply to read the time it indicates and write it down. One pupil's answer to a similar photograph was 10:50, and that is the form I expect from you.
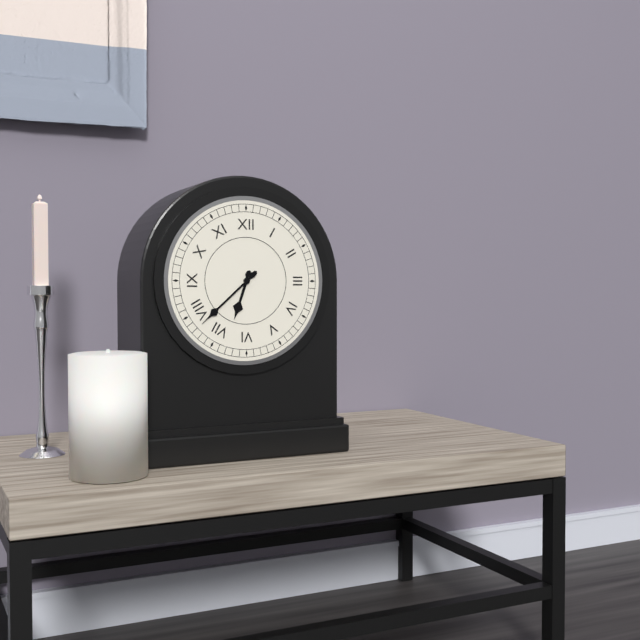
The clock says 6:38
